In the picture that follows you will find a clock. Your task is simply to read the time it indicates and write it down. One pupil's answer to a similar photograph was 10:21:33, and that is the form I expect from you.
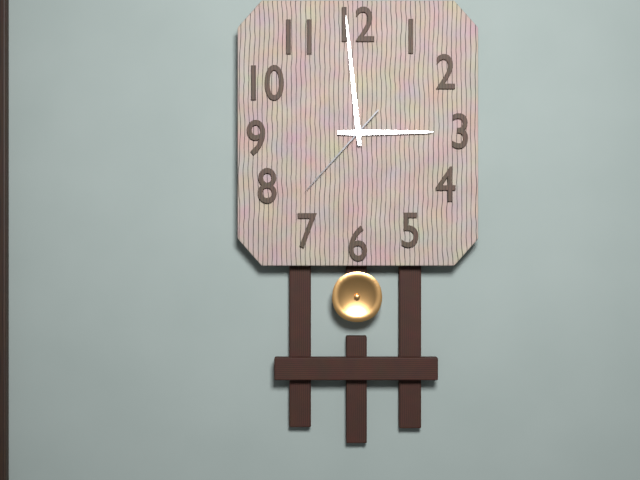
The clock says 2:59:37
